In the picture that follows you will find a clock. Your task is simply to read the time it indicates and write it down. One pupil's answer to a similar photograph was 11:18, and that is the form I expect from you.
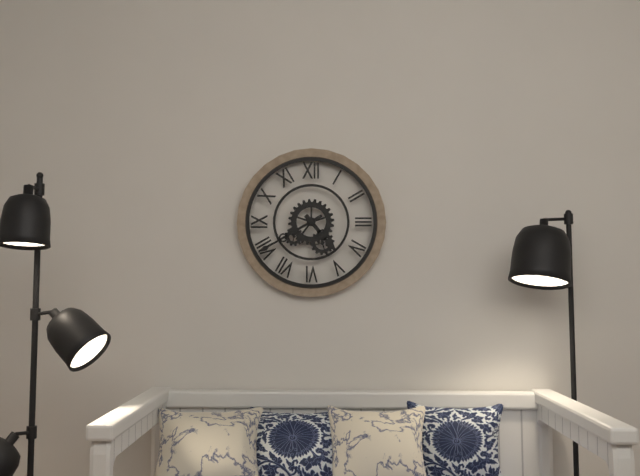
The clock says 4:40
